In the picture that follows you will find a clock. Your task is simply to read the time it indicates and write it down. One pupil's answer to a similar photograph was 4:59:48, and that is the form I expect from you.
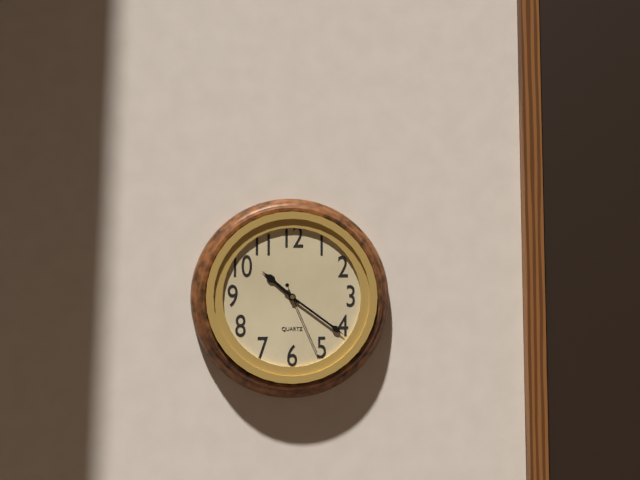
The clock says 10:21:26
